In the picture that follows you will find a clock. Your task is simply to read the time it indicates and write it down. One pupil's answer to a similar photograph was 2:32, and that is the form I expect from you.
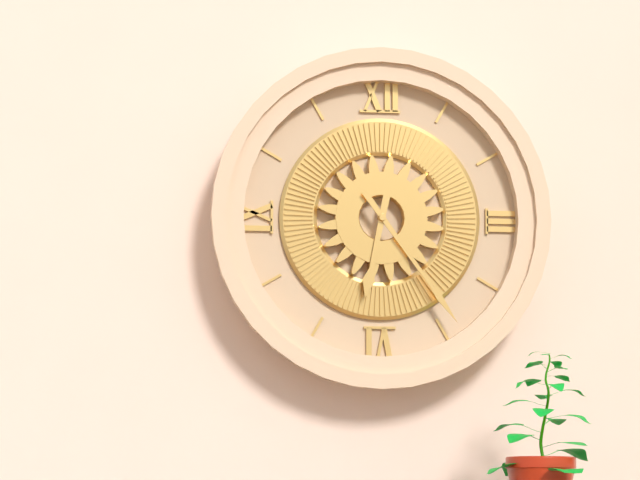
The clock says 6:24
